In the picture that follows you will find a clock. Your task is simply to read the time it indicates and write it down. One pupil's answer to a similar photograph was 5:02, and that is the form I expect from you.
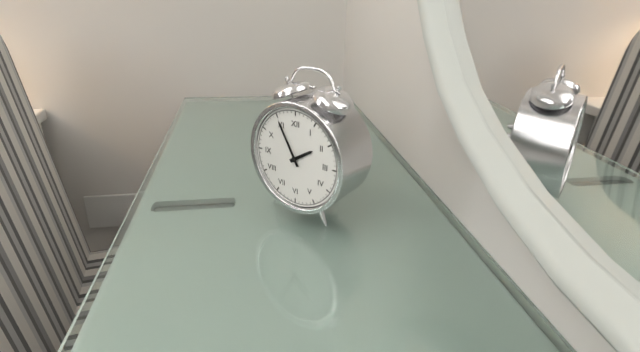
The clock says 1:55
